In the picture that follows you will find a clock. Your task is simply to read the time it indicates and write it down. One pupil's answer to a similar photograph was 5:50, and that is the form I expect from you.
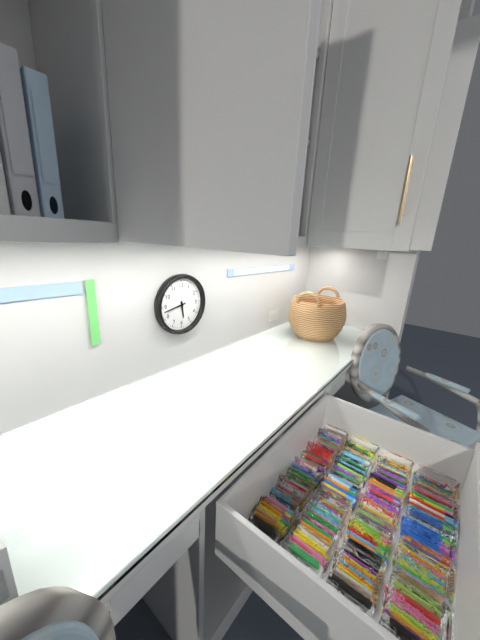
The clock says 5:43
